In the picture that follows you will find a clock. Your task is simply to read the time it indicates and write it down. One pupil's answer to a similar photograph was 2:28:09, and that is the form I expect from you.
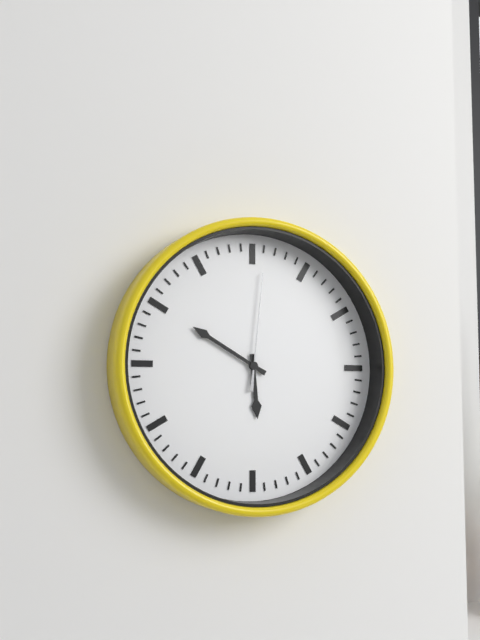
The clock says 5:50:01
